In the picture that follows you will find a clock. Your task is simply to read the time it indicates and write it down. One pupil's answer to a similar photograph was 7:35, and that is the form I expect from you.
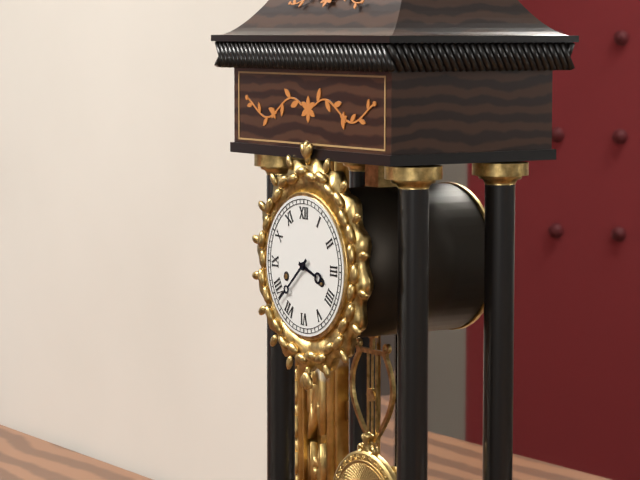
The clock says 3:38
